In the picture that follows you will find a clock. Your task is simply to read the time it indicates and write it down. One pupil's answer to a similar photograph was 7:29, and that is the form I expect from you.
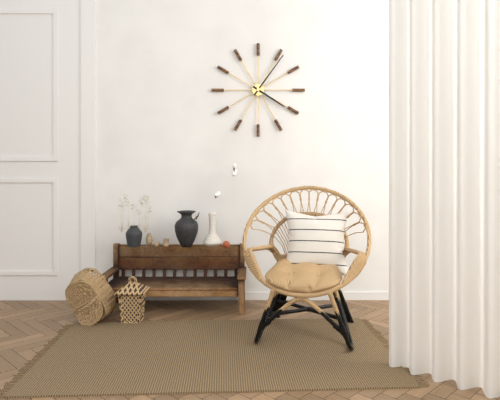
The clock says 4:06
